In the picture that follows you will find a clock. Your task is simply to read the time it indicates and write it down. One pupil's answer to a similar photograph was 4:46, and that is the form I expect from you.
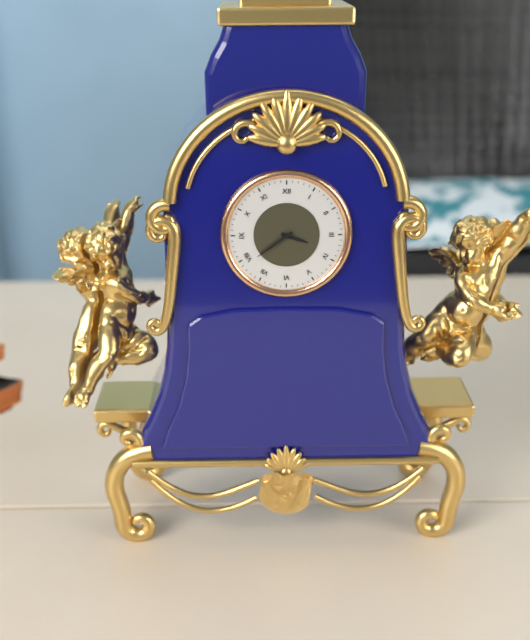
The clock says 3:39
